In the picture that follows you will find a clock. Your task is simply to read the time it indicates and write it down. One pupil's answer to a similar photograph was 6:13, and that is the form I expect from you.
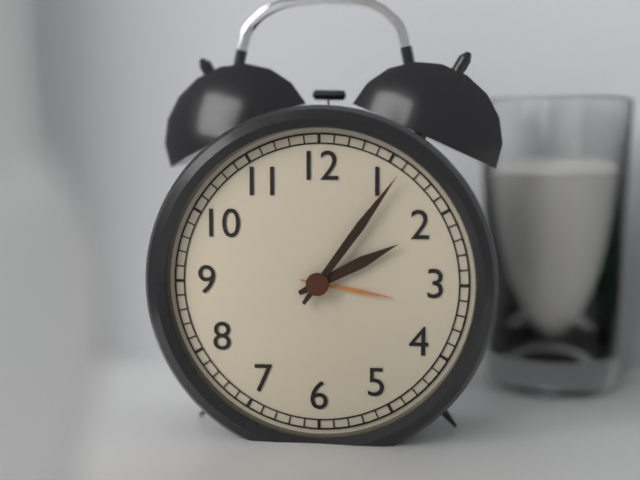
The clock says 2:06
